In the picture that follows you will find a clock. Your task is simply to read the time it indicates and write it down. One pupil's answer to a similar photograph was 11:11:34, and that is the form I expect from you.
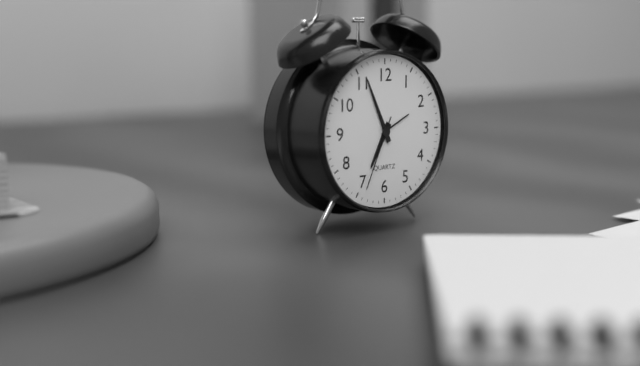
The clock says 6:56:34
